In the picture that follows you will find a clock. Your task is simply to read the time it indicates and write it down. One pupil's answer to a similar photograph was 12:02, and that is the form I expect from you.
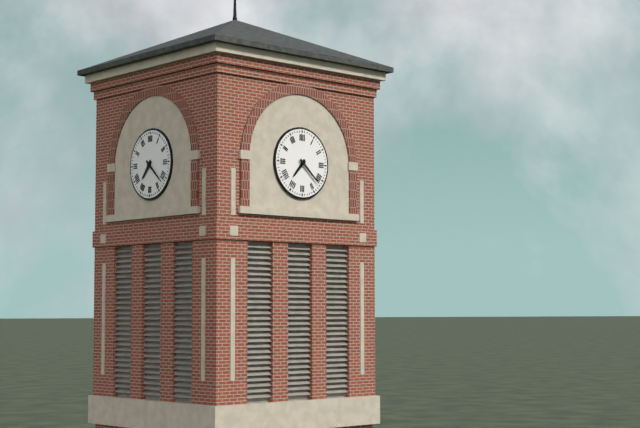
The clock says 7:22
